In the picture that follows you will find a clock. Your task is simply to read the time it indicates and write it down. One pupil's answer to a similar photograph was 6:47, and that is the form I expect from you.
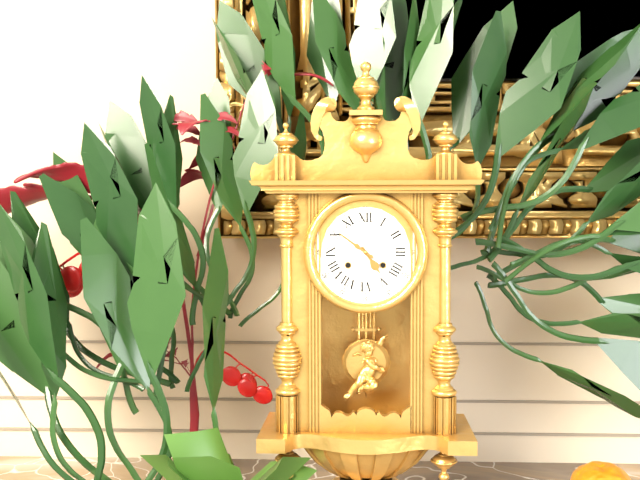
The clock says 4:51
